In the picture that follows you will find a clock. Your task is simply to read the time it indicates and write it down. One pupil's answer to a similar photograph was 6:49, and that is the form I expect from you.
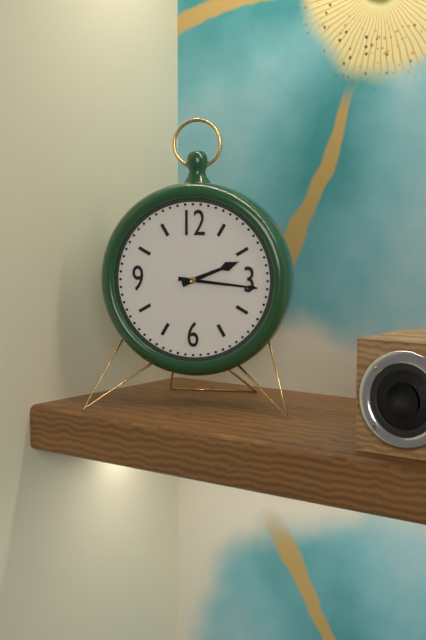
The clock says 2:16
